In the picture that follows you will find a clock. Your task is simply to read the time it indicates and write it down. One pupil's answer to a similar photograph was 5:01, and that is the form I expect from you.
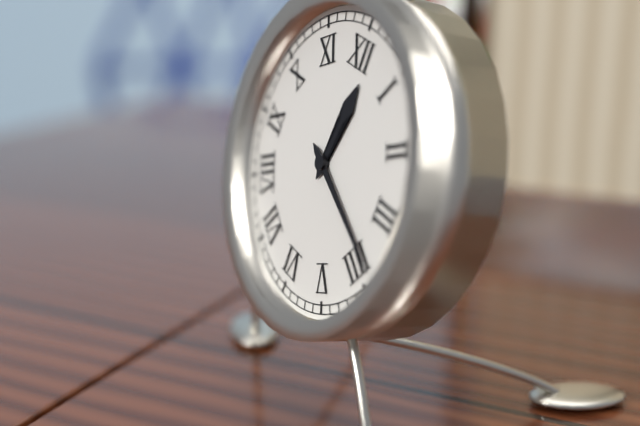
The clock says 12:19
